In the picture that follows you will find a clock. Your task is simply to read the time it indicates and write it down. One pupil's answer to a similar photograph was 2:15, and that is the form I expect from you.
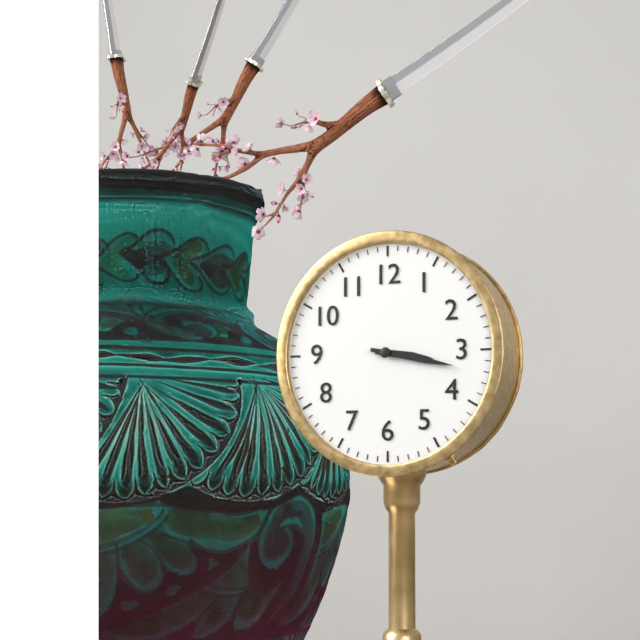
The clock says 3:17
